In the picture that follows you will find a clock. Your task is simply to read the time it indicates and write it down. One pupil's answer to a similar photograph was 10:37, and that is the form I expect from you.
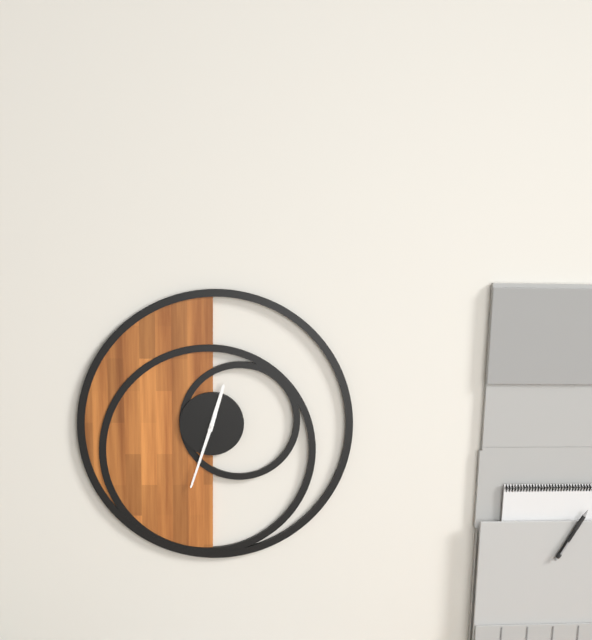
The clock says 12:33
